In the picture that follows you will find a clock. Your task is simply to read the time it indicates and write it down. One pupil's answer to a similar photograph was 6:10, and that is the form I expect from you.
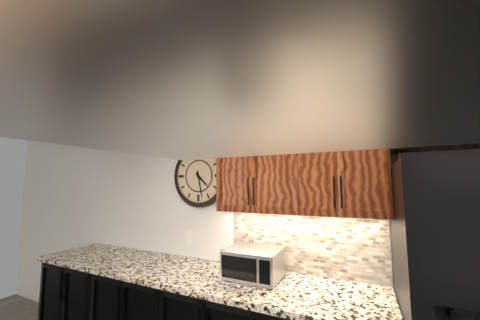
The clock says 4:28
